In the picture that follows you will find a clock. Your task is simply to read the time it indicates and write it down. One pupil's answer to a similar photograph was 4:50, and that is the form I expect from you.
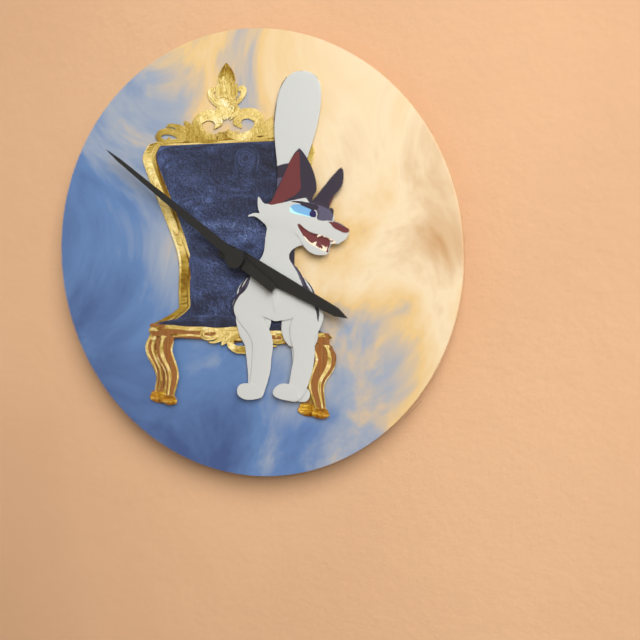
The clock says 3:51
